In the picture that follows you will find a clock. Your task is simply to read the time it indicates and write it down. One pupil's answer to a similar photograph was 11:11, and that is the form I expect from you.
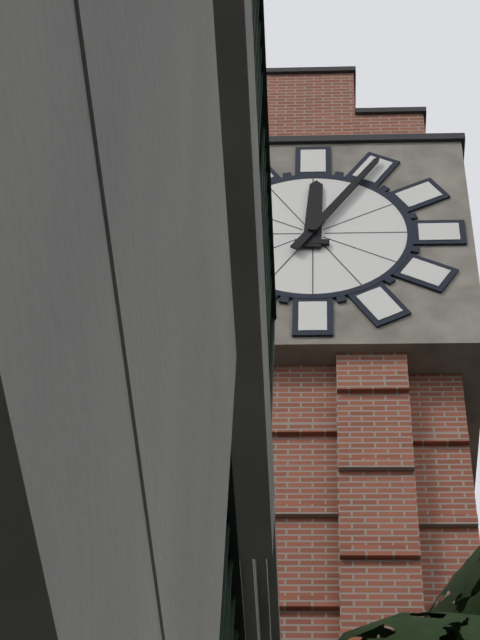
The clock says 12:05
